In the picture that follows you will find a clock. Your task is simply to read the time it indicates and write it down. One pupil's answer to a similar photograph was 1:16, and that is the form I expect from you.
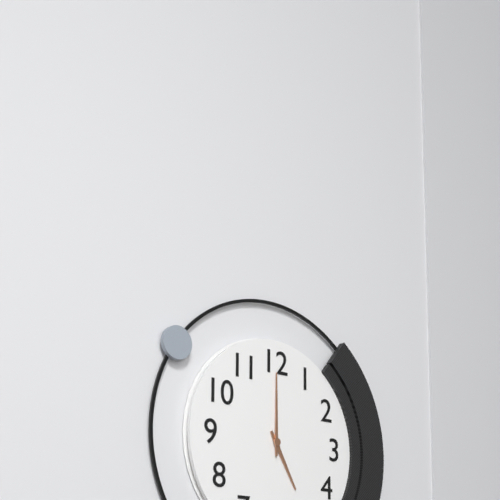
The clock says 5:00
